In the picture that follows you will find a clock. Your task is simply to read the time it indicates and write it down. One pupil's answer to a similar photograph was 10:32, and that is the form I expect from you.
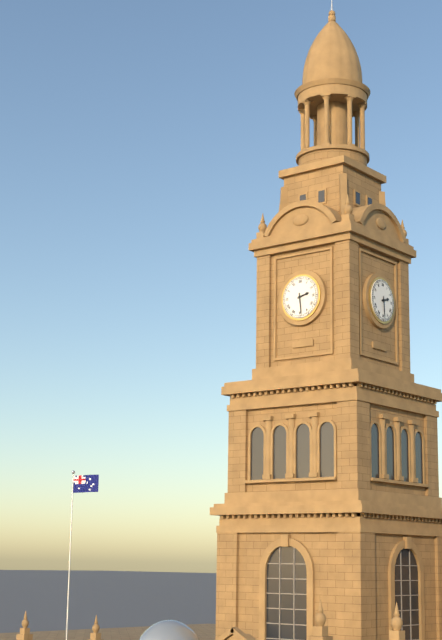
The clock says 2:29
